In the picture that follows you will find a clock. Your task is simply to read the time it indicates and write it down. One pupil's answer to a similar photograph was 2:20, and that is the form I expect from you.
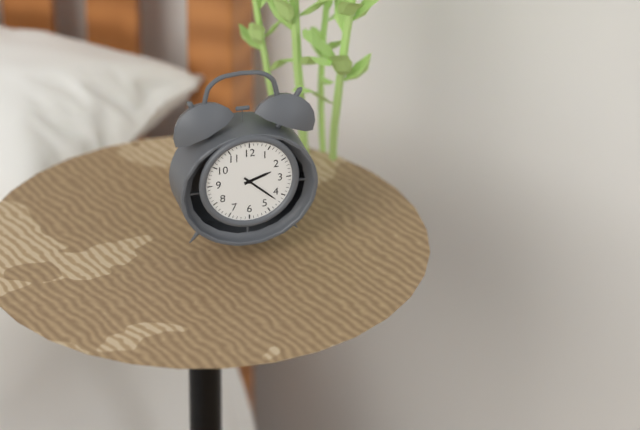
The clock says 2:22
